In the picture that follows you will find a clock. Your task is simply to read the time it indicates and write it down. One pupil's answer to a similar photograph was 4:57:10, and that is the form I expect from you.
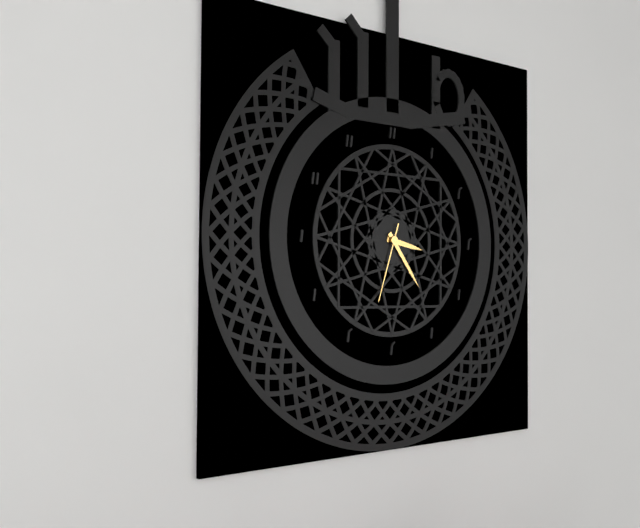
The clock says 3:24:33
